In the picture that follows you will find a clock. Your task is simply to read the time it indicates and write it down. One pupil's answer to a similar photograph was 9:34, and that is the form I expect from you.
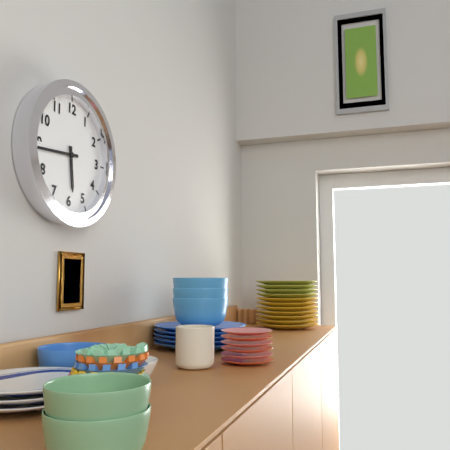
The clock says 5:44
